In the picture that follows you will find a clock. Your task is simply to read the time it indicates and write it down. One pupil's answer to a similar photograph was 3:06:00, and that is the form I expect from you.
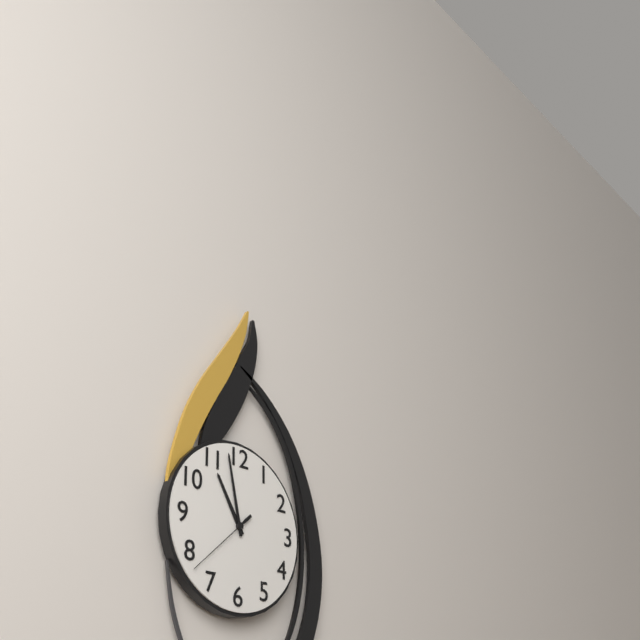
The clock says 10:58:38
